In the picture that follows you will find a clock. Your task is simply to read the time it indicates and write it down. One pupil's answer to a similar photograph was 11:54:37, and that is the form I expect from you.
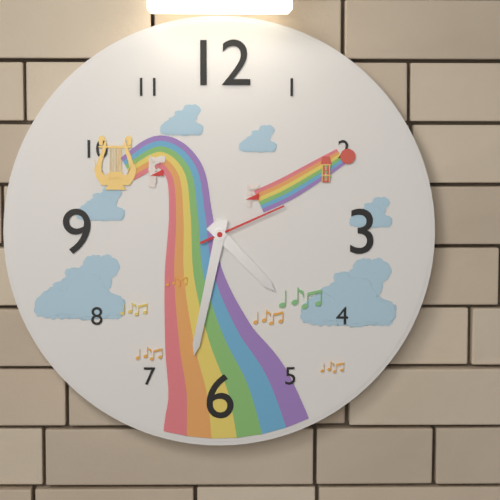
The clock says 4:32:11
